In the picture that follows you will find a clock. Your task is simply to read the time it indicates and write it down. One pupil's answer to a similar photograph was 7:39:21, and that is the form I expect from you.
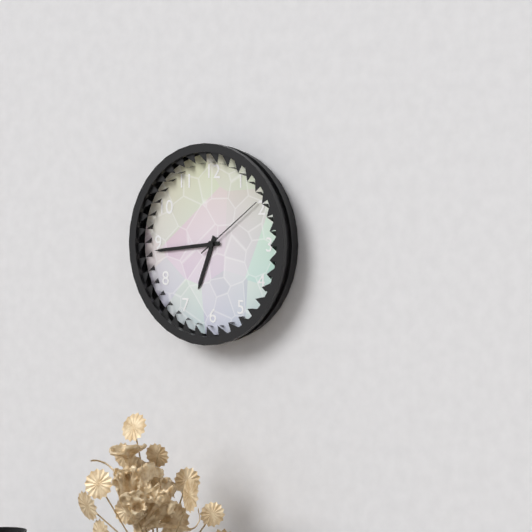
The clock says 6:44:09
